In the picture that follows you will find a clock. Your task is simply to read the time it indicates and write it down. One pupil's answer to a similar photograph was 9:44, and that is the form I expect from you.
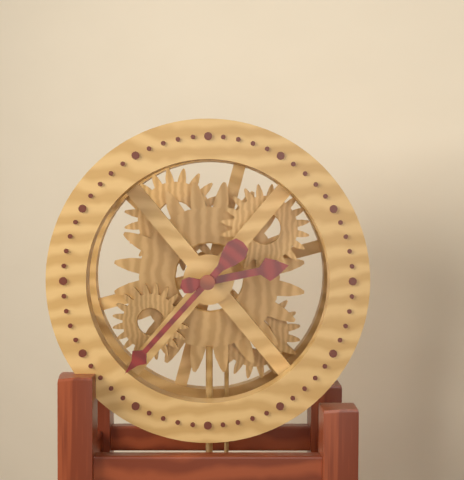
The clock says 2:37
